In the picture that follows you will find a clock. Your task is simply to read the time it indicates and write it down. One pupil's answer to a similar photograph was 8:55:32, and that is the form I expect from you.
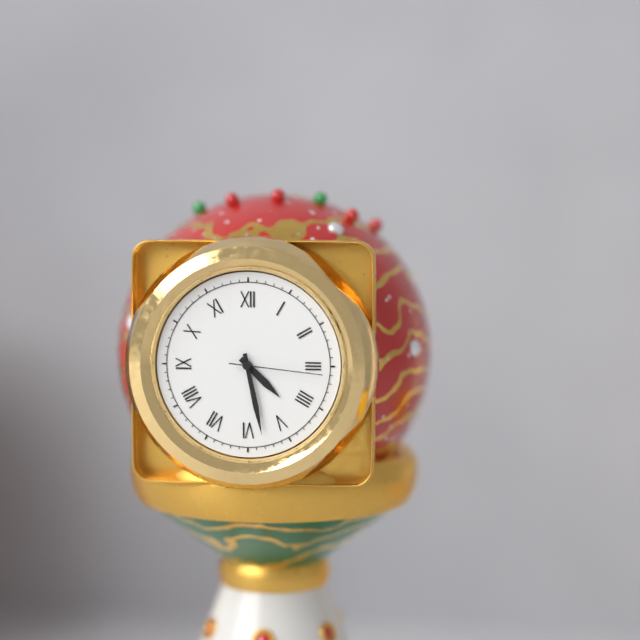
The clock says 4:28:16
